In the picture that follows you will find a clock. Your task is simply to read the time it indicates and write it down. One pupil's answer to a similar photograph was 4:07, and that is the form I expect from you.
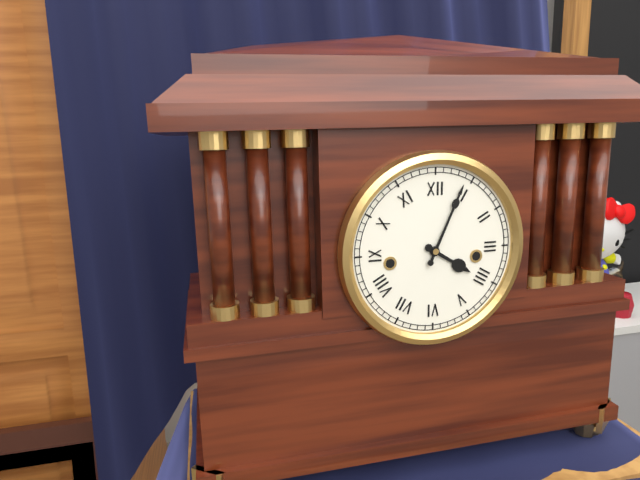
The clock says 4:04
